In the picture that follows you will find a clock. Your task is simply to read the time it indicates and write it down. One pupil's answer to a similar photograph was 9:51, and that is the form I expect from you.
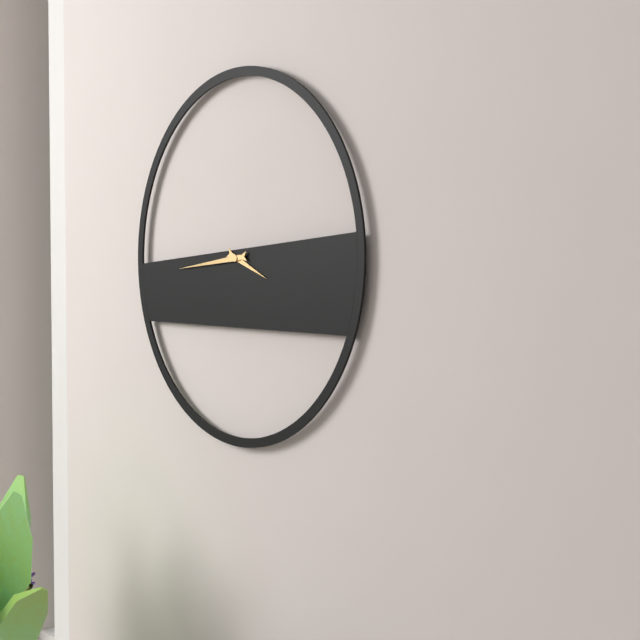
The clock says 3:44
